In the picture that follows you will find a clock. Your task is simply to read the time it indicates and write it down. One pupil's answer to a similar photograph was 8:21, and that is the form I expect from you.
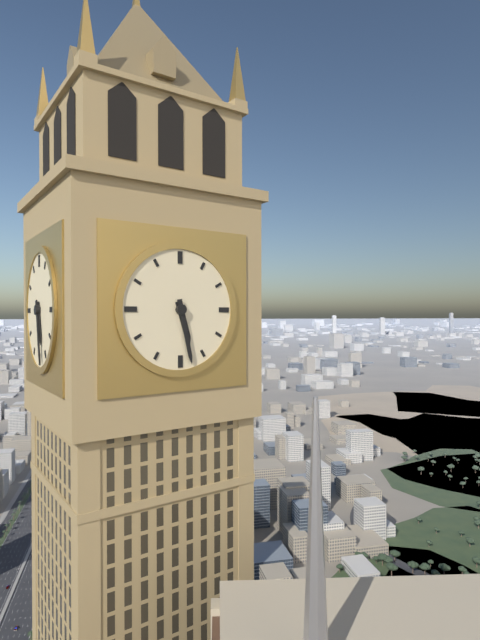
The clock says 5:28
